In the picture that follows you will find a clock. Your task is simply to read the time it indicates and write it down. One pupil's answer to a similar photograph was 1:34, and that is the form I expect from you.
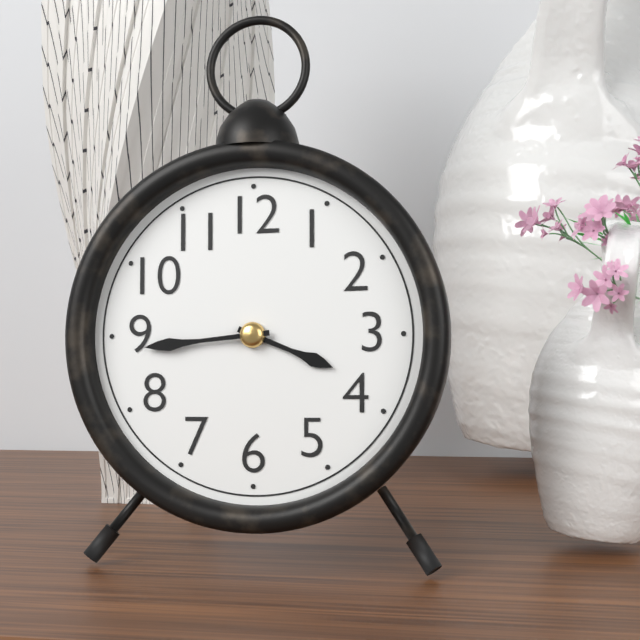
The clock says 3:44
